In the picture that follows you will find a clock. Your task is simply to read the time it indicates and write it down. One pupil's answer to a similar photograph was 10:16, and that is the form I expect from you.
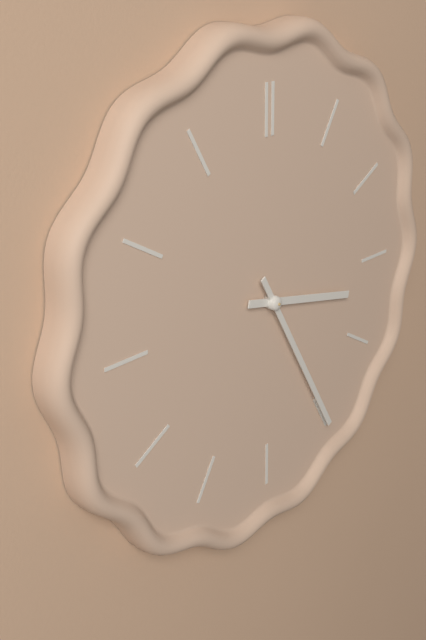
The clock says 3:25
